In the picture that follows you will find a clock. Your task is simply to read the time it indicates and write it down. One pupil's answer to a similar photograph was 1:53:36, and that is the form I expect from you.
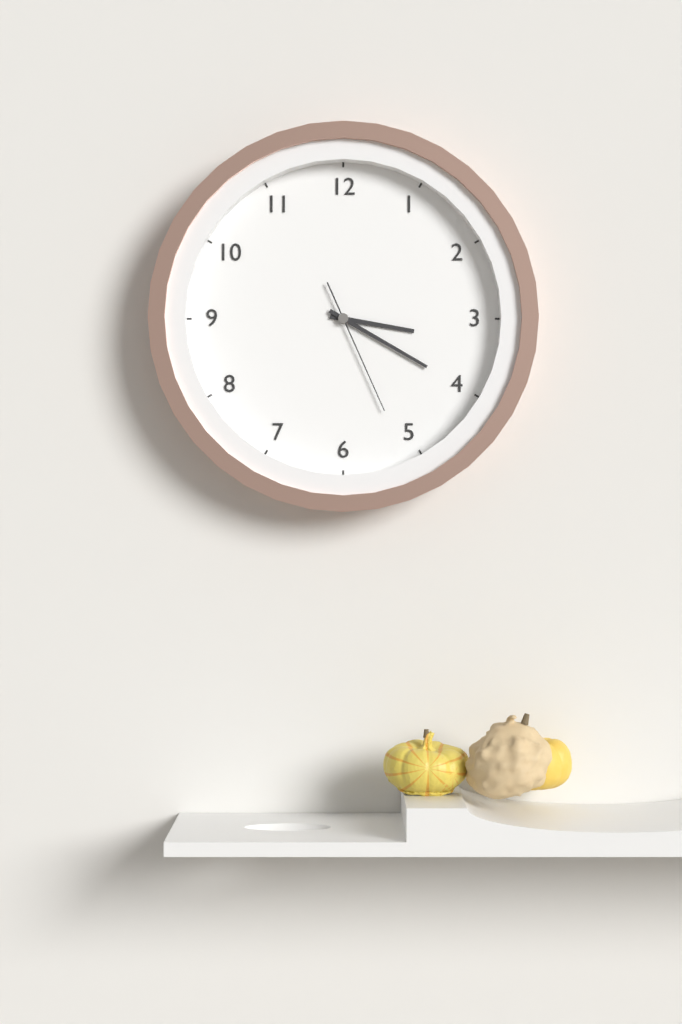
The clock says 3:20:26
